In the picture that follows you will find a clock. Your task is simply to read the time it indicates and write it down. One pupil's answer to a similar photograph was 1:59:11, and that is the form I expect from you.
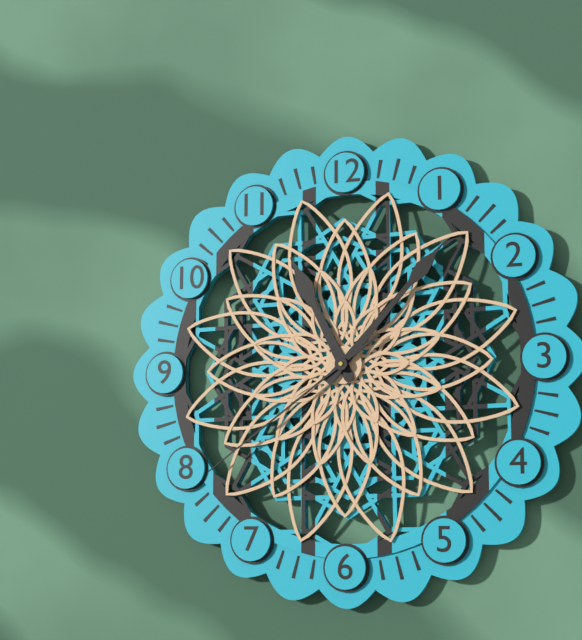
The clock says 11:07:39
